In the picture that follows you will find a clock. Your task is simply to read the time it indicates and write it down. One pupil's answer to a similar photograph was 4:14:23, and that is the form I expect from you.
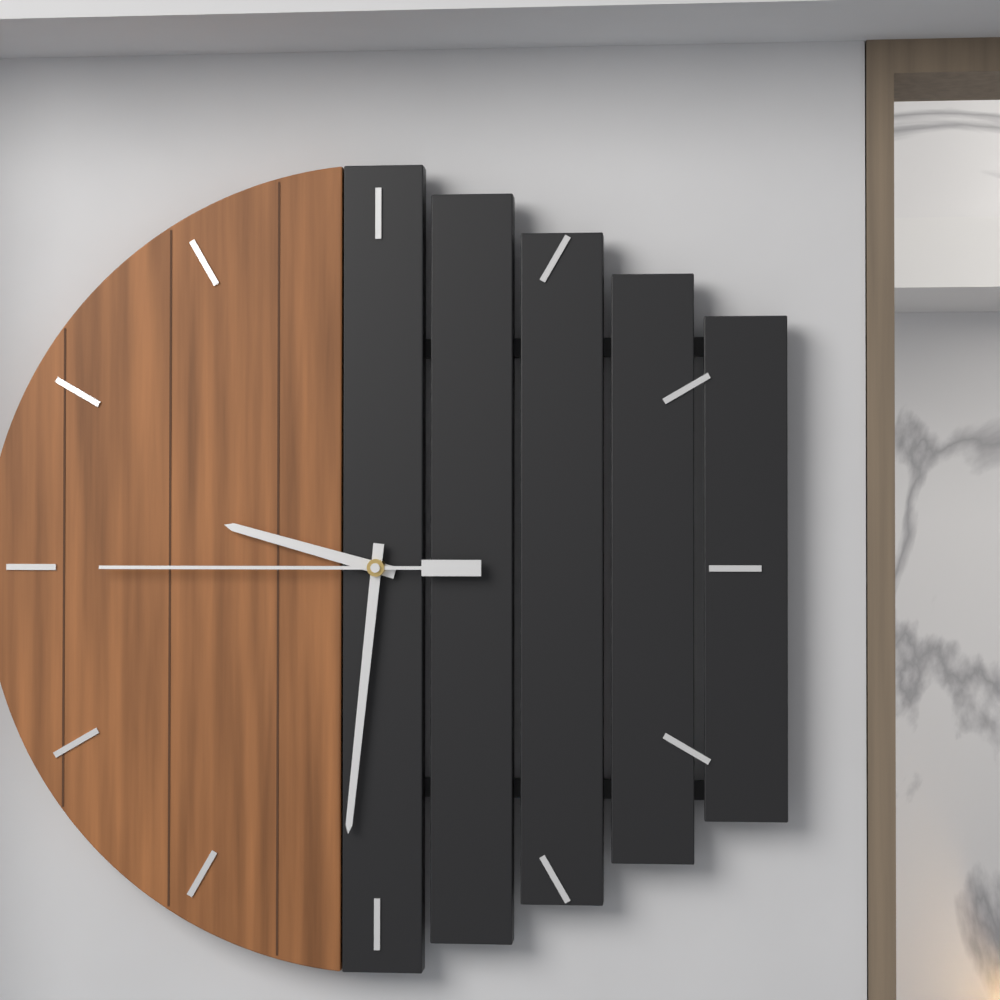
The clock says 9:31:45
